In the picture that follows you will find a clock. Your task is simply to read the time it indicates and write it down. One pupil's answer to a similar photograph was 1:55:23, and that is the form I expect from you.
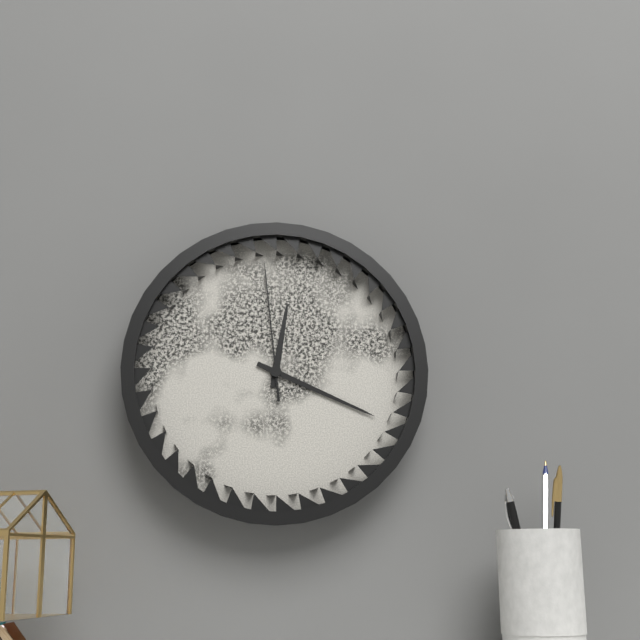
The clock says 12:19:59
